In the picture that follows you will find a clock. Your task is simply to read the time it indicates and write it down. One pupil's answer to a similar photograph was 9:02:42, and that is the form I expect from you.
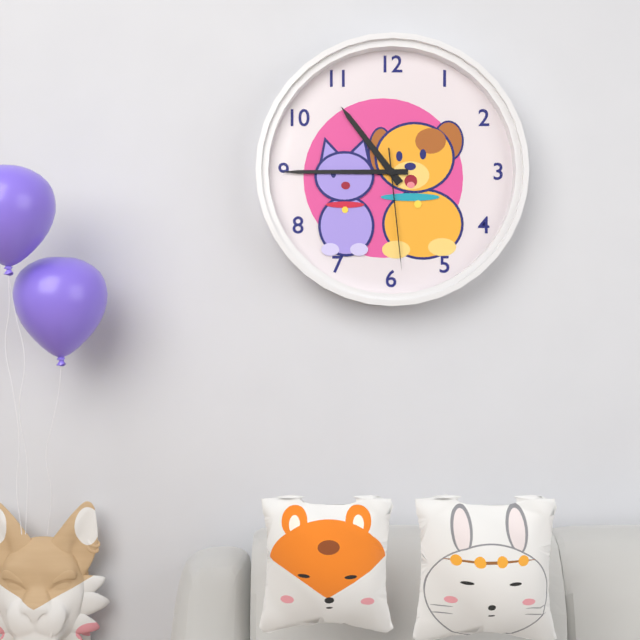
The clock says 10:45:29
